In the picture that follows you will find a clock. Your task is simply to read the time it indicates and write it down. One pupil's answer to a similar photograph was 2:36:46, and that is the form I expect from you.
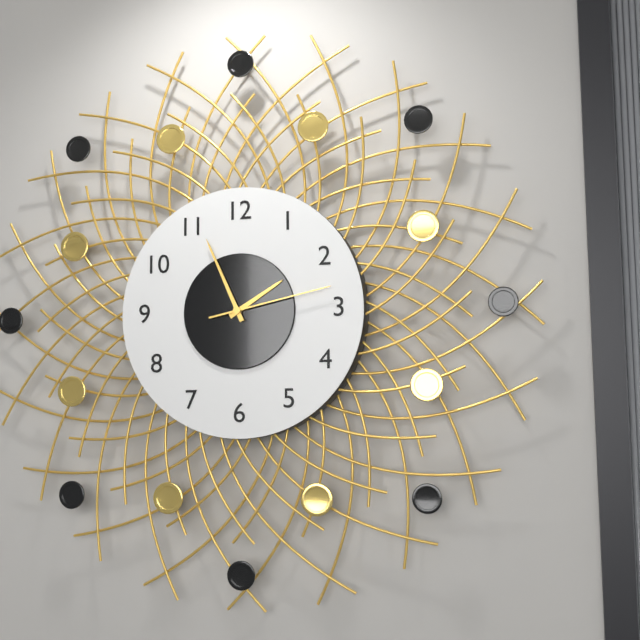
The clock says 1:56:13
